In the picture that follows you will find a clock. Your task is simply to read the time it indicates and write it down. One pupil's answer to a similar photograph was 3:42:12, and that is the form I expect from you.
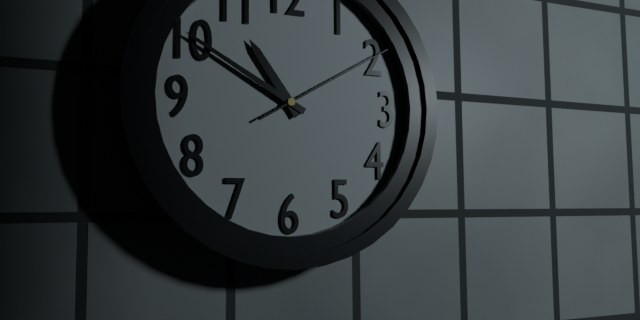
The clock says 10:50:10
